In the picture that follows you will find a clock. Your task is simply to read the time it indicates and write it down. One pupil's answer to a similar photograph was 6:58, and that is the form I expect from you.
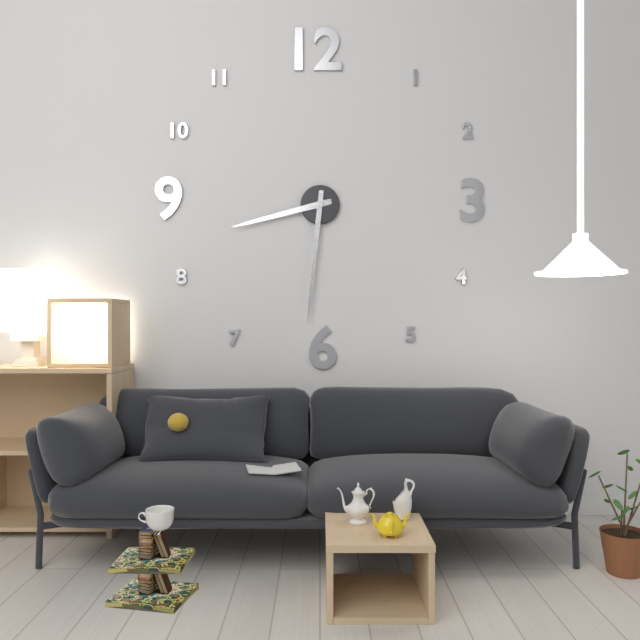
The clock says 8:31
